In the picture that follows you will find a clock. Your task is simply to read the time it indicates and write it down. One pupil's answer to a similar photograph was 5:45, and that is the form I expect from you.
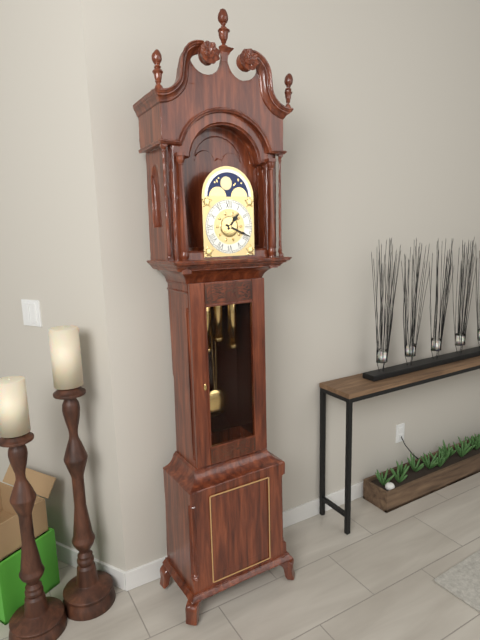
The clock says 1:19
